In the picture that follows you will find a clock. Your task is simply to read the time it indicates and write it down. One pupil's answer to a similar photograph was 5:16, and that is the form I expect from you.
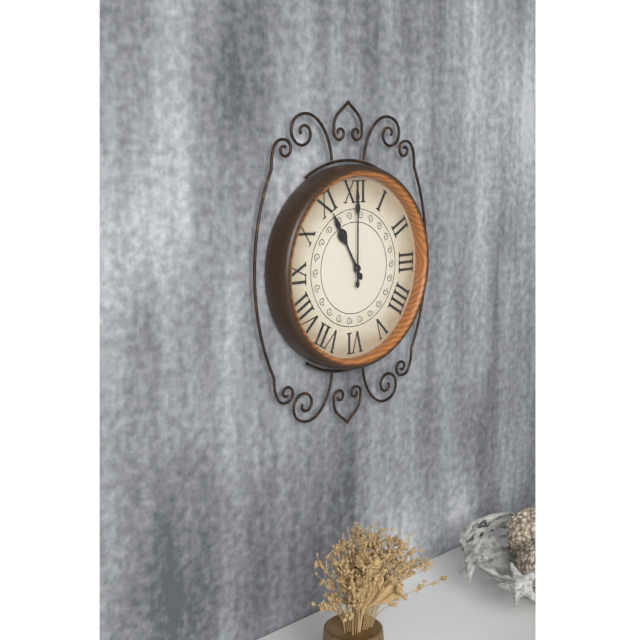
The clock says 11:00
